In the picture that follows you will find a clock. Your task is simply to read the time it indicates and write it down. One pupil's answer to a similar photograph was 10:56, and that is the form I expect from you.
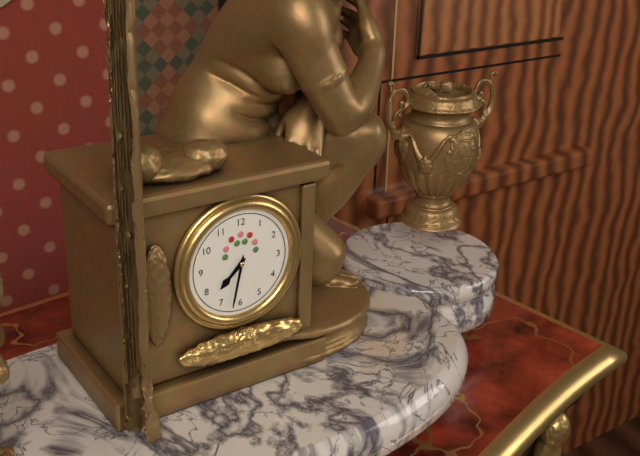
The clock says 7:32
